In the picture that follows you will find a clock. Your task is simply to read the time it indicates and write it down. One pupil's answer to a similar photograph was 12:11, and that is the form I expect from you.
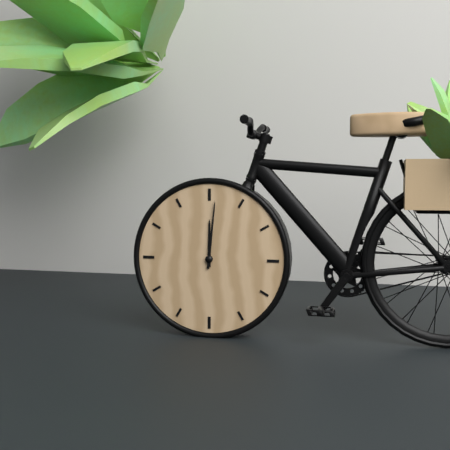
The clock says 12:01
